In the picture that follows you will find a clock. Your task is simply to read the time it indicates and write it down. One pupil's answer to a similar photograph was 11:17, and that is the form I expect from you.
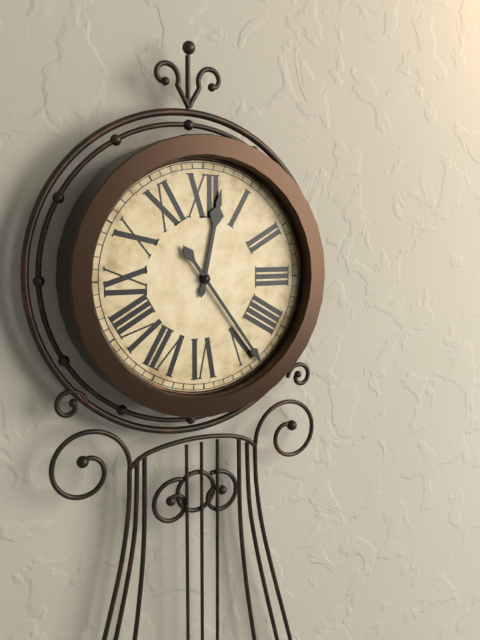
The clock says 12:24
